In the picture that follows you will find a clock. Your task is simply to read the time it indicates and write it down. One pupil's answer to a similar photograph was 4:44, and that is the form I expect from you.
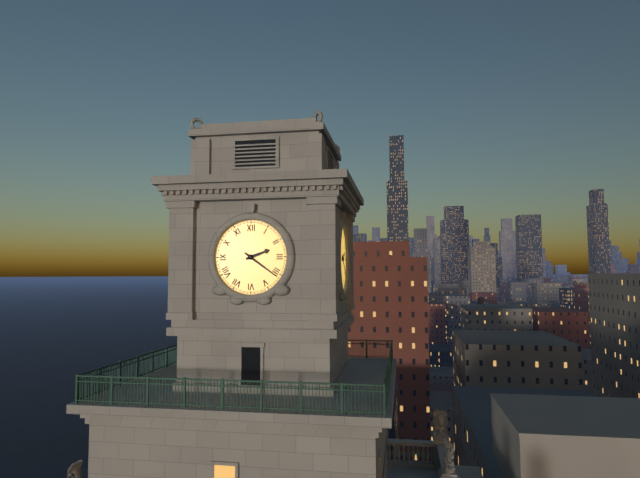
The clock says 2:21
